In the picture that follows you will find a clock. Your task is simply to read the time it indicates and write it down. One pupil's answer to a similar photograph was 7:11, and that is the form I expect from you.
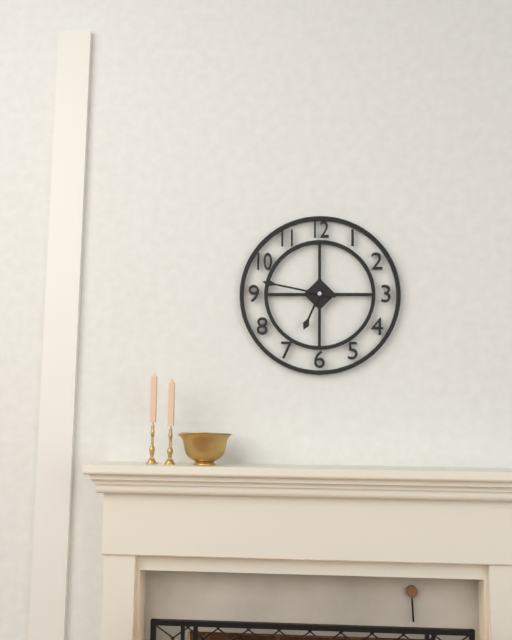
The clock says 6:47
